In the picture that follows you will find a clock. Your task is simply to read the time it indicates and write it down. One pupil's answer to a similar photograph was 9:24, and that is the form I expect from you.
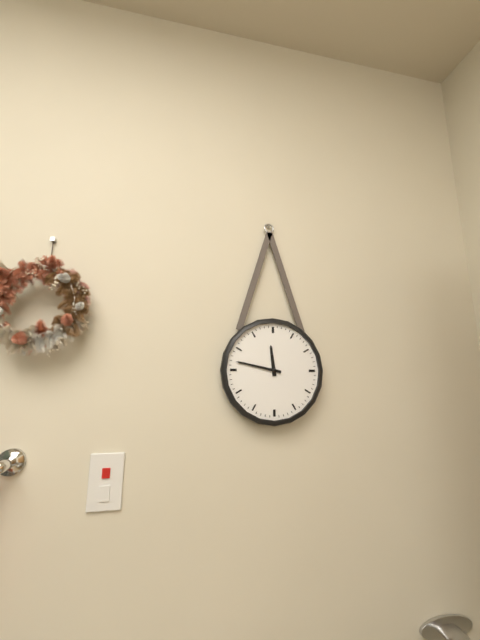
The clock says 11:47
